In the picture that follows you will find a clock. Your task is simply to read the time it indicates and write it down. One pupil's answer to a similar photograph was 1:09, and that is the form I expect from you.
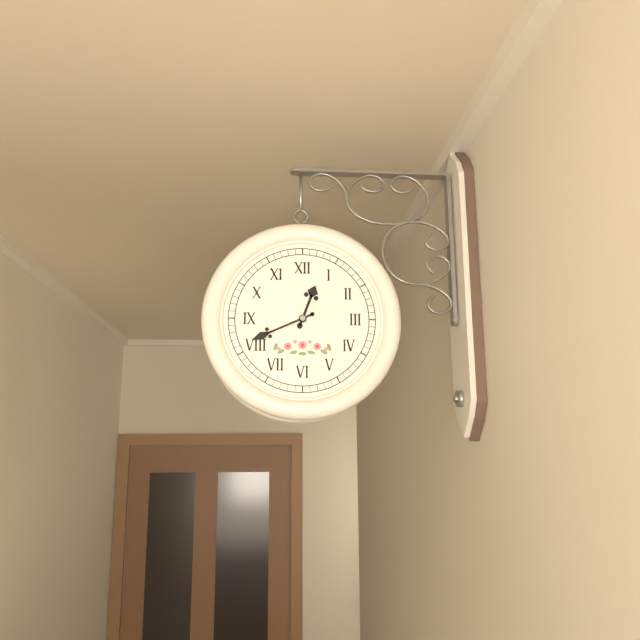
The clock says 12:41
